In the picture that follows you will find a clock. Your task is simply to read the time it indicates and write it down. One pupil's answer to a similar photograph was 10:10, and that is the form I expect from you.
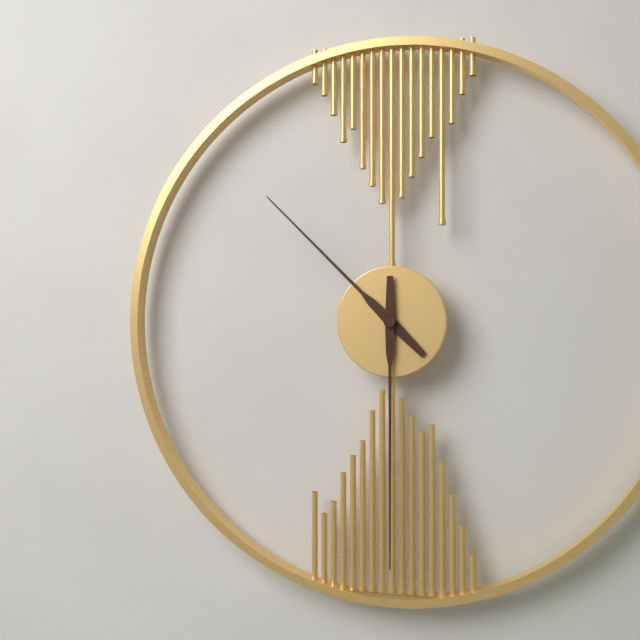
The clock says 10:30
